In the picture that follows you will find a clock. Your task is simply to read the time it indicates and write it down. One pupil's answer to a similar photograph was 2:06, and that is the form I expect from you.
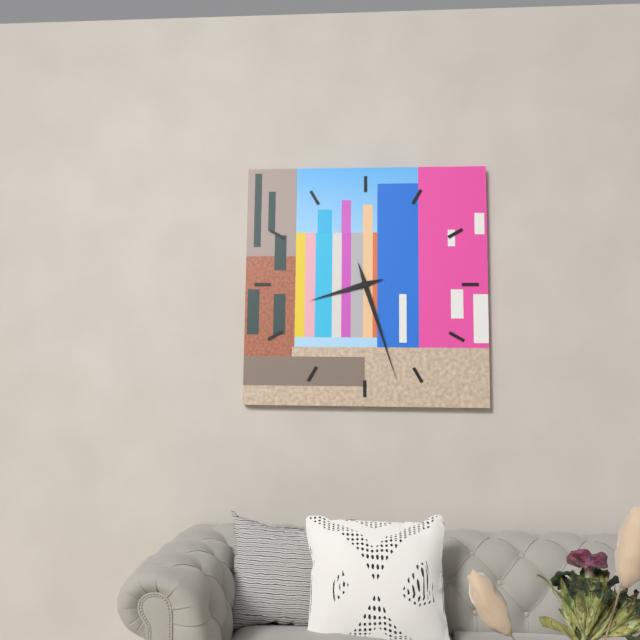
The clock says 8:27
